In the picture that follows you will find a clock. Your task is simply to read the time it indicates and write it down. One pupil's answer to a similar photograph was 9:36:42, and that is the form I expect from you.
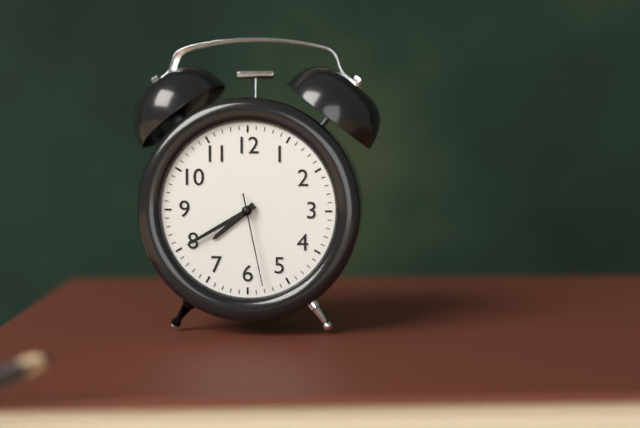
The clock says 7:40:28
